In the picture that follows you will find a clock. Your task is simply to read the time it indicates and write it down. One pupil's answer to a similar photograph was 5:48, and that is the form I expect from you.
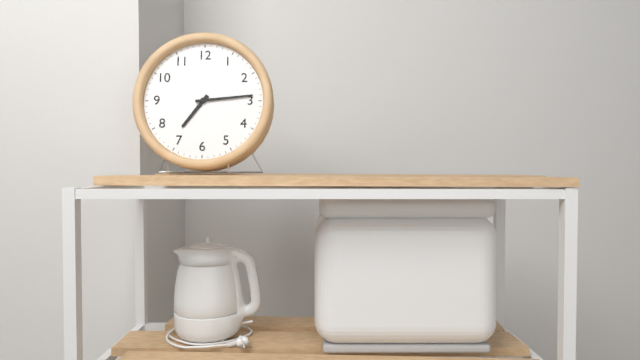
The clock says 7:14
